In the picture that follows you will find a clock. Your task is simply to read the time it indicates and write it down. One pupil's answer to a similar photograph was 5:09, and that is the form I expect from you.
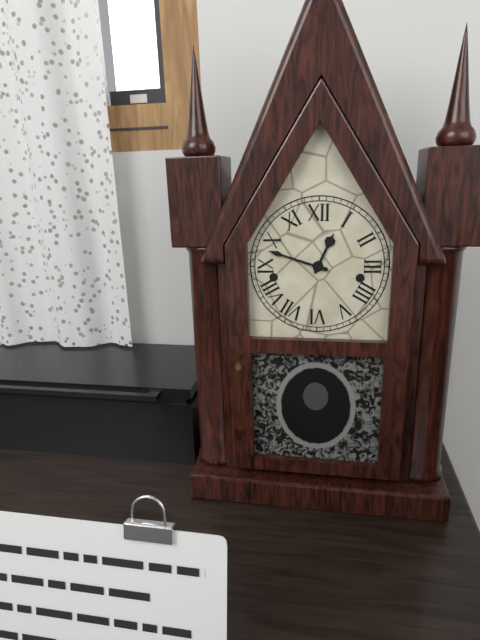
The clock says 12:48
